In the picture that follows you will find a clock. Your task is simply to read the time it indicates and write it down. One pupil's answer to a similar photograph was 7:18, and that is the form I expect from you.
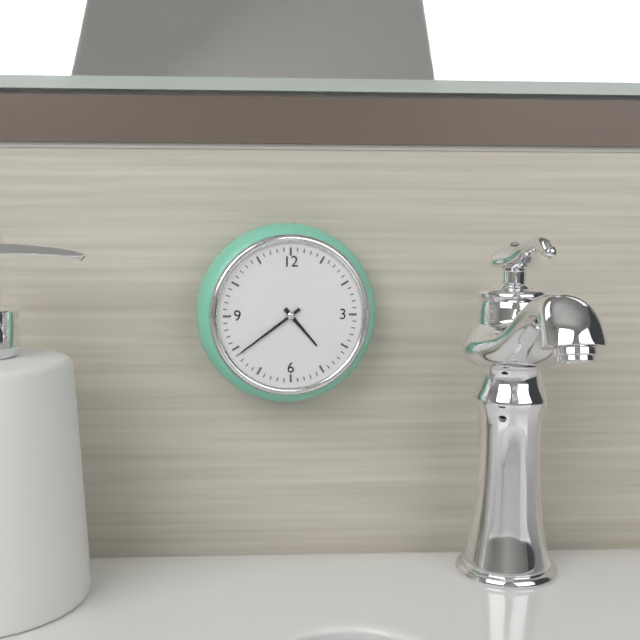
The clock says 4:39
